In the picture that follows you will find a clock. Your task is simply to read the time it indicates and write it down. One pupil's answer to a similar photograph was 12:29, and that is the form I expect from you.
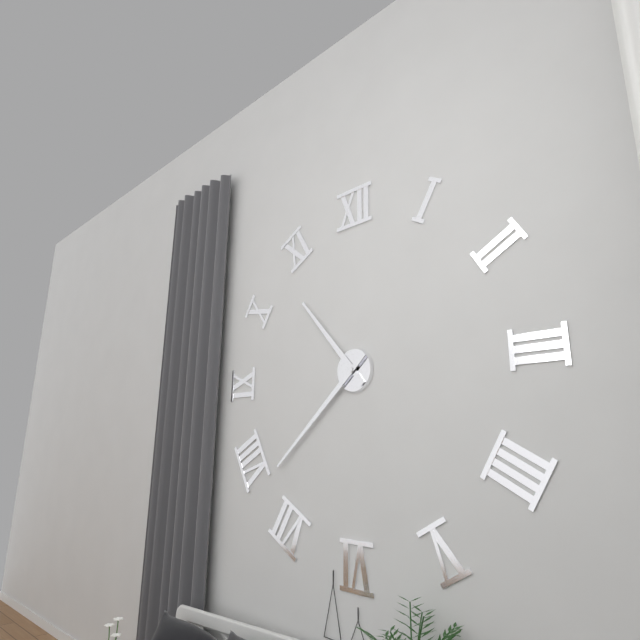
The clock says 10:38
